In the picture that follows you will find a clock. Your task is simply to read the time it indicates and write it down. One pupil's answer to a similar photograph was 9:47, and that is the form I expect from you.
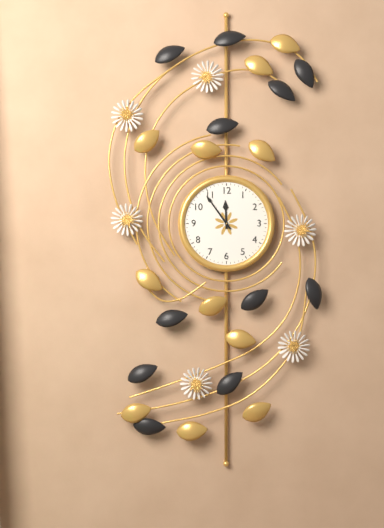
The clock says 11:54
